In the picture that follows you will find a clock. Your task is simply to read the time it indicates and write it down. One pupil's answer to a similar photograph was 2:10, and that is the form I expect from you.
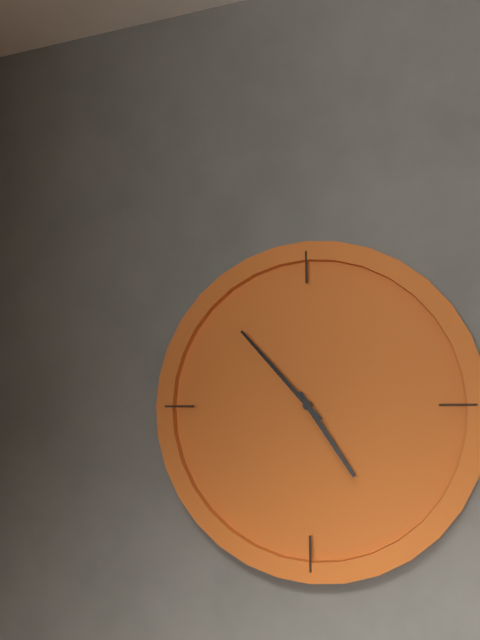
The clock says 4:53
